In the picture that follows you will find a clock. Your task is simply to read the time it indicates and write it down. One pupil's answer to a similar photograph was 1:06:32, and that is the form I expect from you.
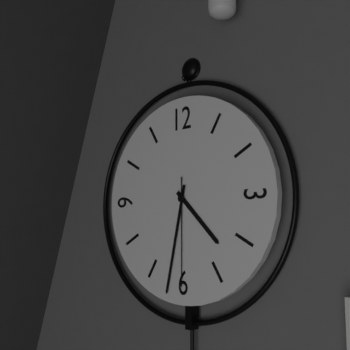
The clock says 4:32:30
